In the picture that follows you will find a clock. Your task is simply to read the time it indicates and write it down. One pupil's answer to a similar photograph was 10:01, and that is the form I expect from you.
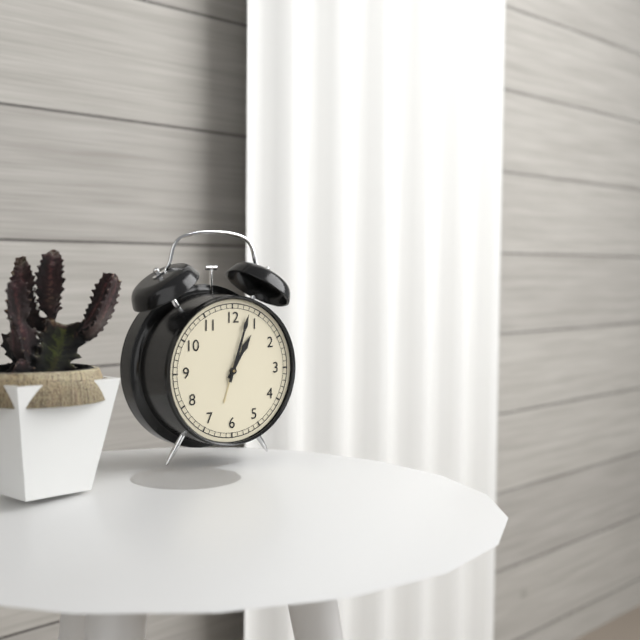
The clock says 1:03
